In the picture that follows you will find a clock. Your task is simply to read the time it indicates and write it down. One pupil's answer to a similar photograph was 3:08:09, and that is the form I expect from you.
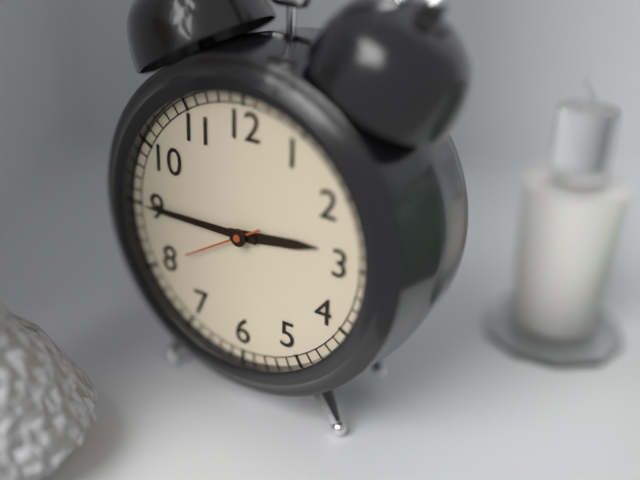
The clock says 2:45:40
